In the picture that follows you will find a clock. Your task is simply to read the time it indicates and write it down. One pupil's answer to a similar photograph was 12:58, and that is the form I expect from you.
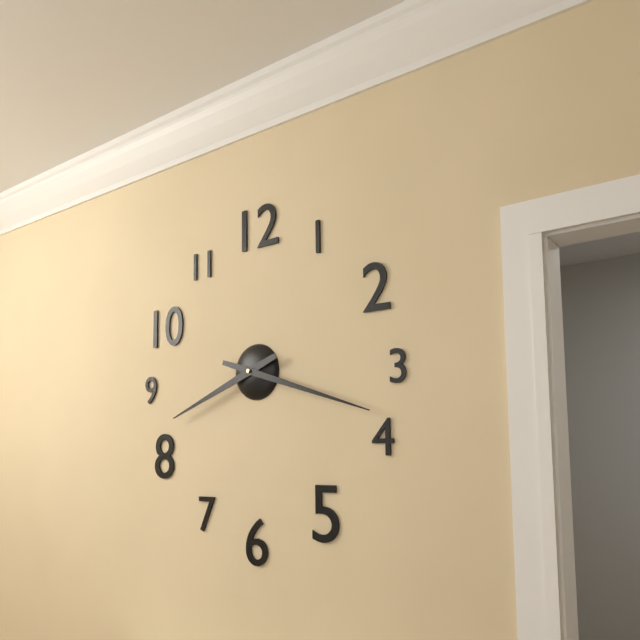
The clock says 8:18
